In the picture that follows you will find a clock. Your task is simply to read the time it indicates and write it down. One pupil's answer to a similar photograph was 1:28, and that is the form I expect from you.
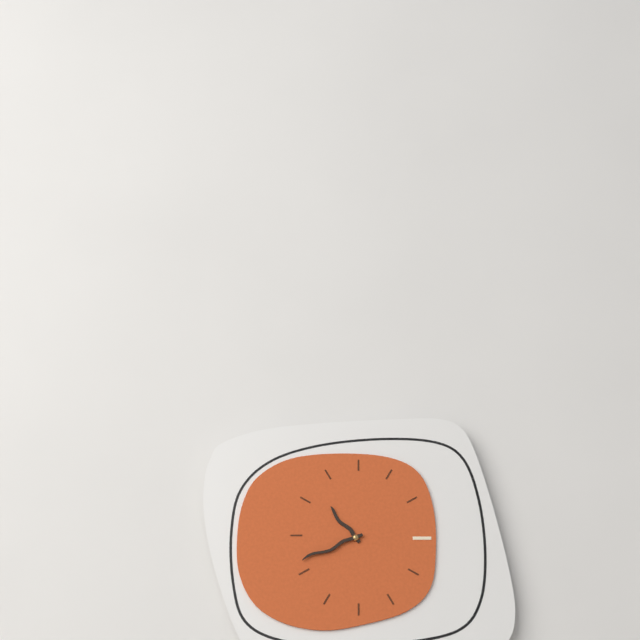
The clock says 10:41
